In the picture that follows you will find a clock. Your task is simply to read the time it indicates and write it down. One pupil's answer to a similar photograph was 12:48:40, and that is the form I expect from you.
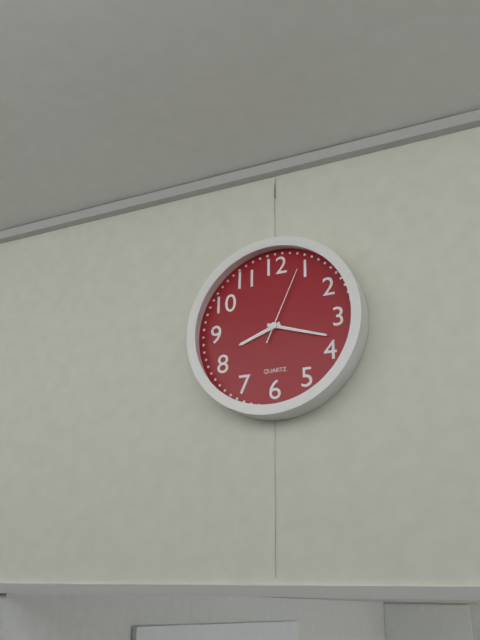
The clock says 8:18:04
